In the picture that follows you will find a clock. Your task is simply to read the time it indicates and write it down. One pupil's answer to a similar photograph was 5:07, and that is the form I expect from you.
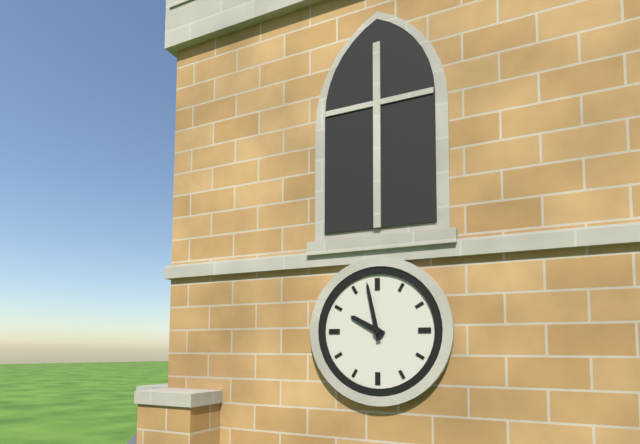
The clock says 9:58
